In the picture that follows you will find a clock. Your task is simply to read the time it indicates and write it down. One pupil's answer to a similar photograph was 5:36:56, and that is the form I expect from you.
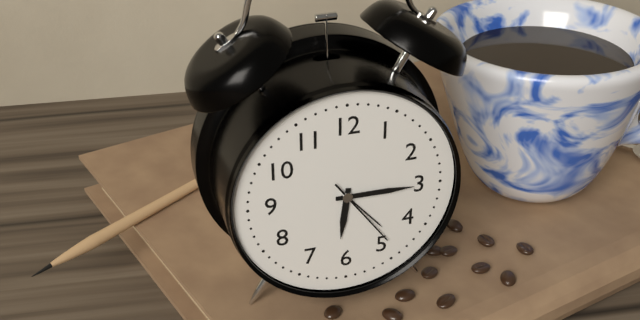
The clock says 6:15:24
